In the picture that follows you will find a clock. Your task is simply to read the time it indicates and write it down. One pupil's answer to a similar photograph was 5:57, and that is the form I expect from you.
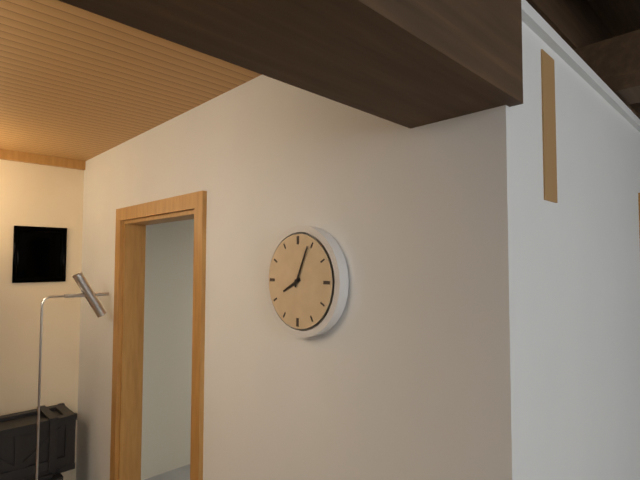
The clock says 8:04
